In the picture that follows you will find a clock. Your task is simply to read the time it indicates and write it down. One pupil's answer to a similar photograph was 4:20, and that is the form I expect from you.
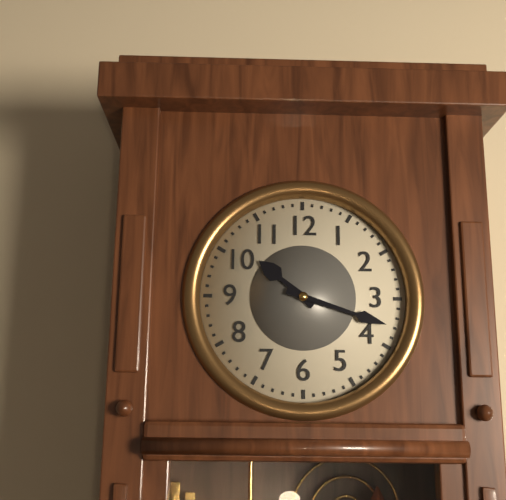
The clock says 10:18
